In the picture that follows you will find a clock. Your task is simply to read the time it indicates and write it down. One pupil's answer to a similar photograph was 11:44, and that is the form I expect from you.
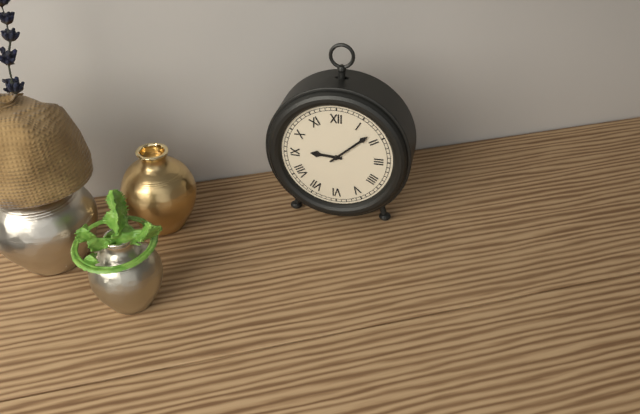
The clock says 9:08
